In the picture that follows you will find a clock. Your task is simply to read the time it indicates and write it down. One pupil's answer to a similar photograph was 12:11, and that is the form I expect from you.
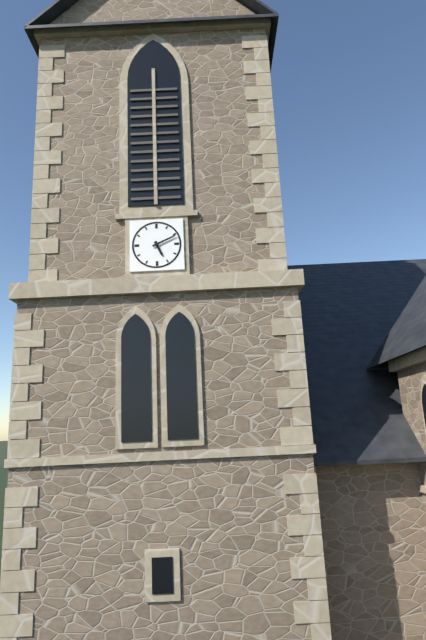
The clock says 5:11
